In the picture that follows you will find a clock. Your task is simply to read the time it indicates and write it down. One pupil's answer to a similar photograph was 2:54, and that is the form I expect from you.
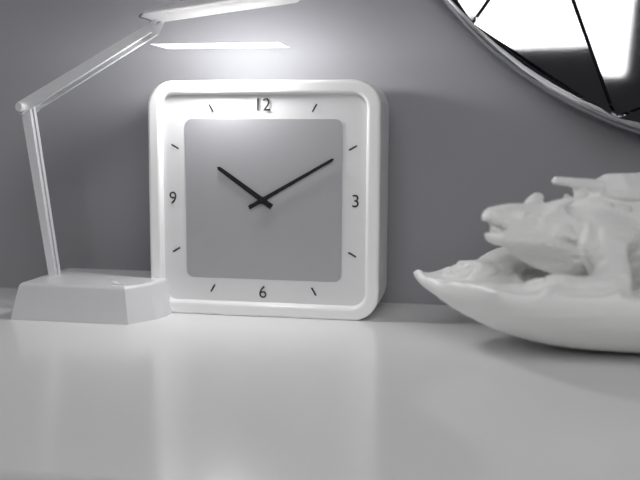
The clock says 10:10
